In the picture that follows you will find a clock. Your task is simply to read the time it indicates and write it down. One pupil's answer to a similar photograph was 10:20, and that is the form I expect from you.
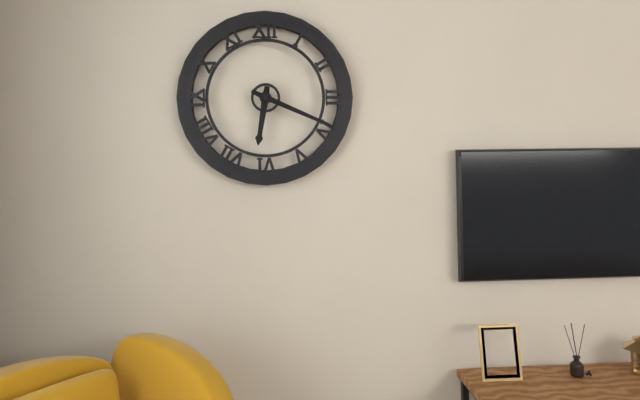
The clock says 6:19
